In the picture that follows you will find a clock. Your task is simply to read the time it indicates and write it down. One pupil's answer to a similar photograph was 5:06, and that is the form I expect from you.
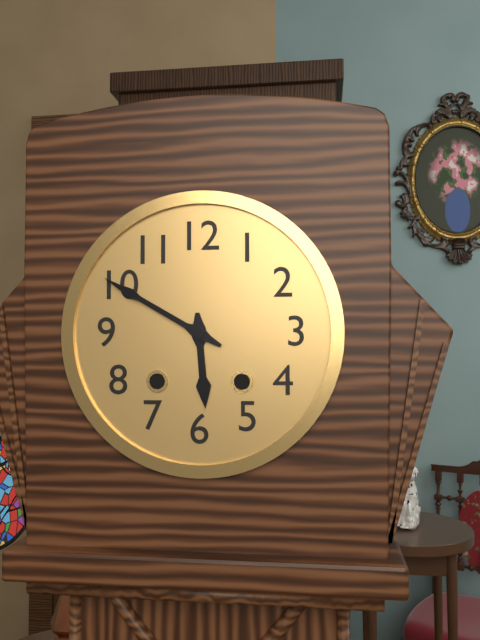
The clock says 5:50
